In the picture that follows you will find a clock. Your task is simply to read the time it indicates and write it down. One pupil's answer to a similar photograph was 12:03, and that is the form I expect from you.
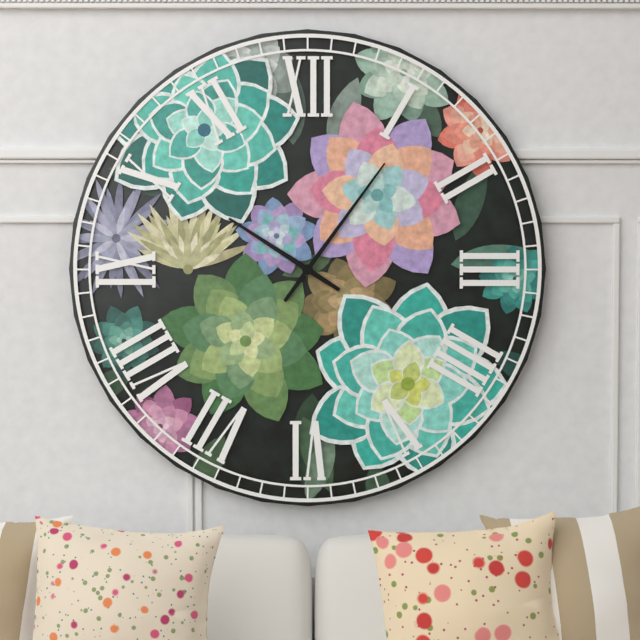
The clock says 10:06
